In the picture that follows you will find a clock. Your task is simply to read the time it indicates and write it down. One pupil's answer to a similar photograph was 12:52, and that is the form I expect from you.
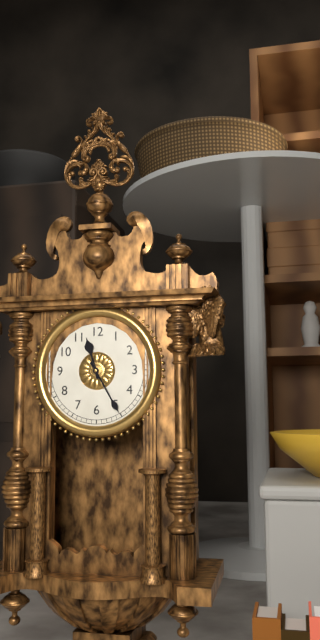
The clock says 11:25
